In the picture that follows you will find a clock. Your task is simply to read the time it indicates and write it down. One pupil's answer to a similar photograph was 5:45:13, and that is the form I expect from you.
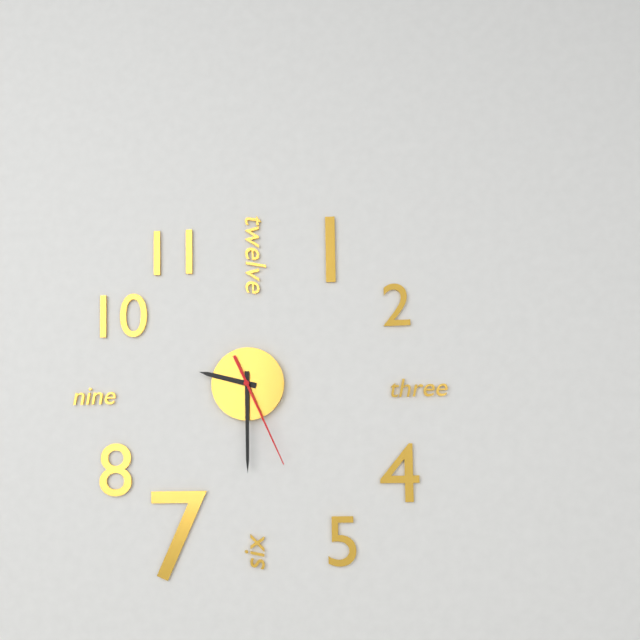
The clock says 9:30:26
